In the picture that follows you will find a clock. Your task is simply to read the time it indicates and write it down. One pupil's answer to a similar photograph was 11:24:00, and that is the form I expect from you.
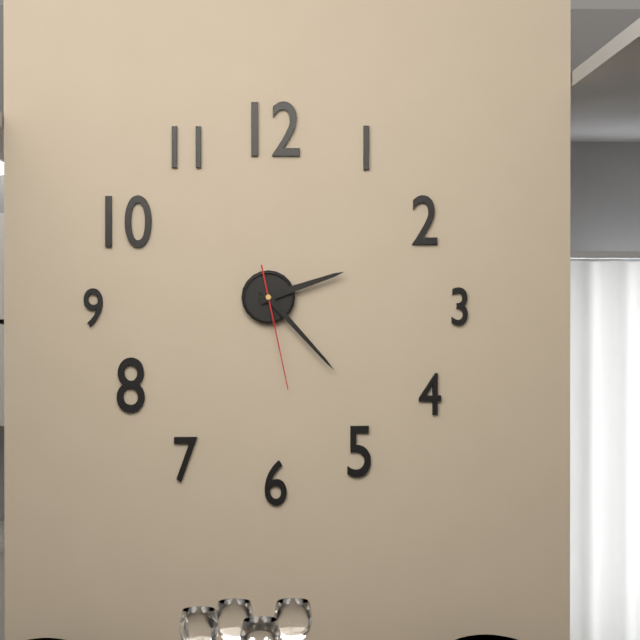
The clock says 2:23:28
